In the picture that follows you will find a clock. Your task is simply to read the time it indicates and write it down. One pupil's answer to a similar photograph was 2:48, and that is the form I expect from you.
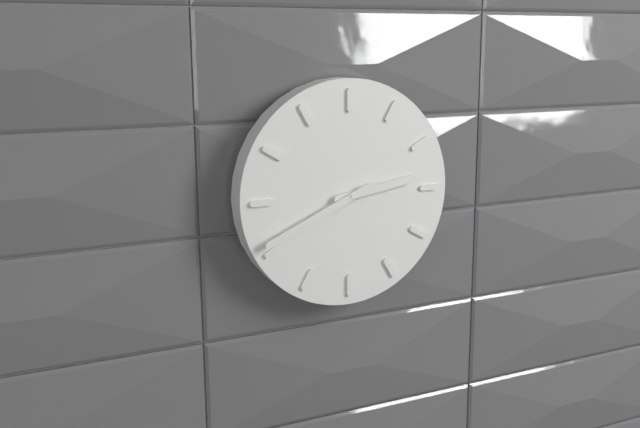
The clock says 2:41
